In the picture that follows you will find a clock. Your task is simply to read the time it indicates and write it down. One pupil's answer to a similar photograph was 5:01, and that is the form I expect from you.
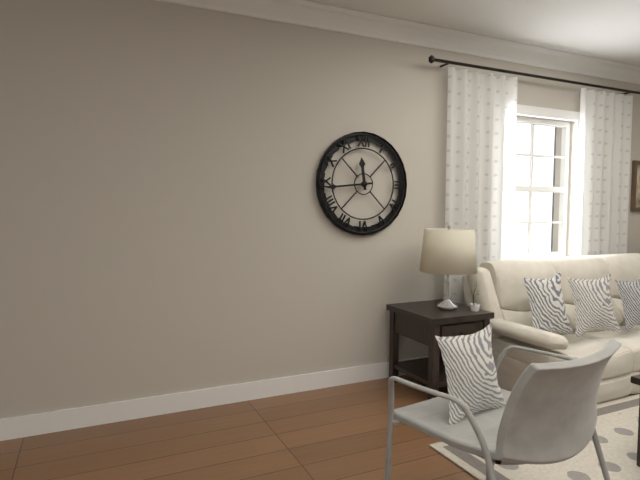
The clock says 11:44
